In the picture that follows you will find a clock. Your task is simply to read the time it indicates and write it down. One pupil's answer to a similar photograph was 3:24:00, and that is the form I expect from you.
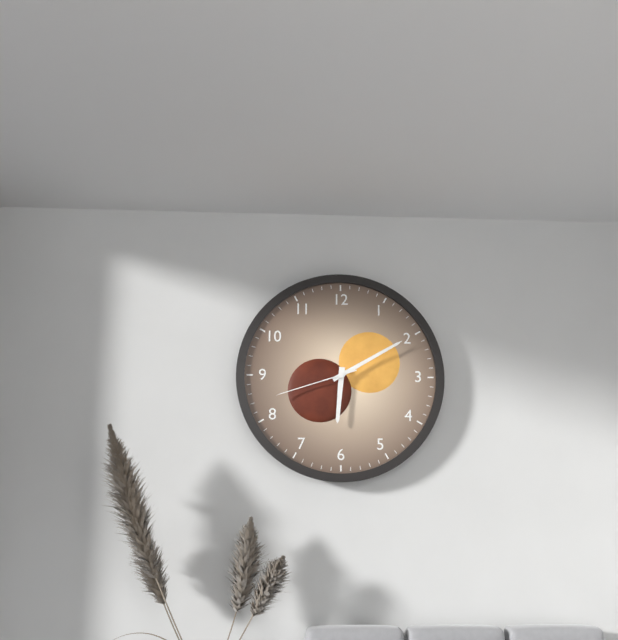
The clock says 6:10:42
